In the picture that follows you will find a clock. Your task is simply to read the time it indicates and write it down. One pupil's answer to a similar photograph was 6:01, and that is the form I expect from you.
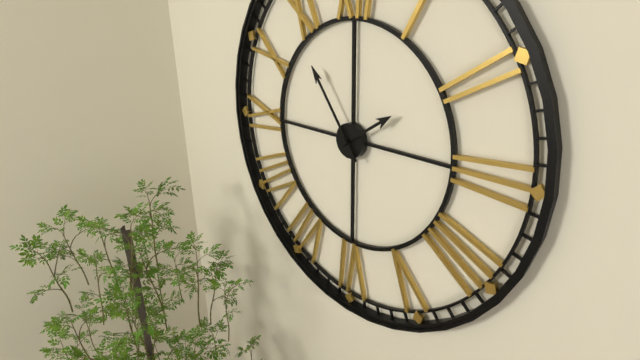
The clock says 1:54
